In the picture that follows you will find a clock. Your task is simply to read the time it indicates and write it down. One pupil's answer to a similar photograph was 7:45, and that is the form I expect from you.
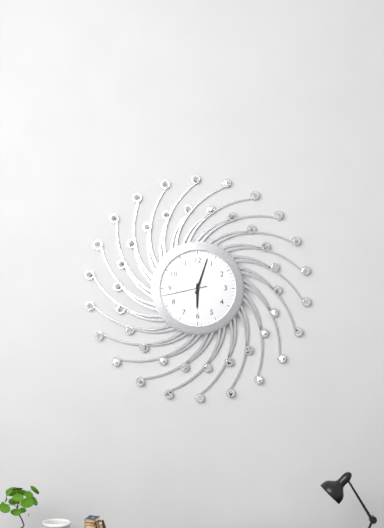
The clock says 6:03
